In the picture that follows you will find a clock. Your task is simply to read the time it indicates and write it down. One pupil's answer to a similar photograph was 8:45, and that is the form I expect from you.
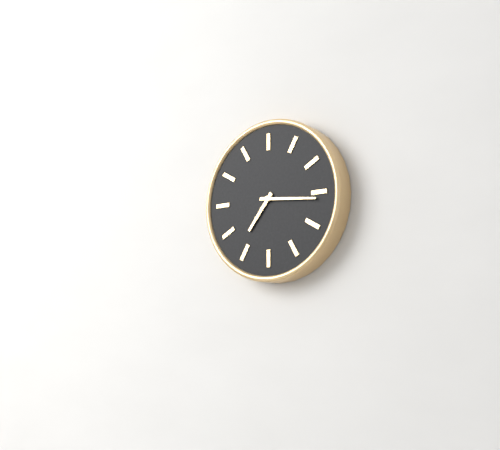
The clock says 7:16
